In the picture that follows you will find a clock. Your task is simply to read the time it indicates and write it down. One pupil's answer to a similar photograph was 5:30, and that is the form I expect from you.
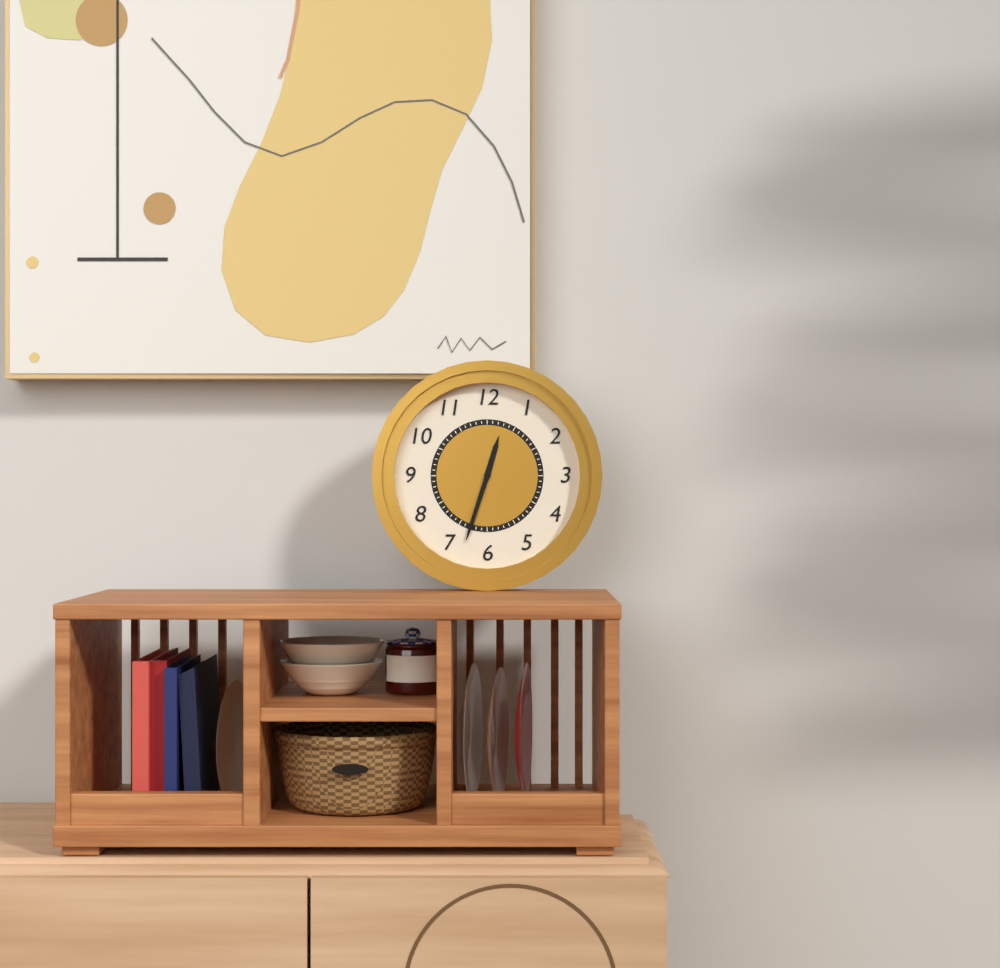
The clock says 12:33
